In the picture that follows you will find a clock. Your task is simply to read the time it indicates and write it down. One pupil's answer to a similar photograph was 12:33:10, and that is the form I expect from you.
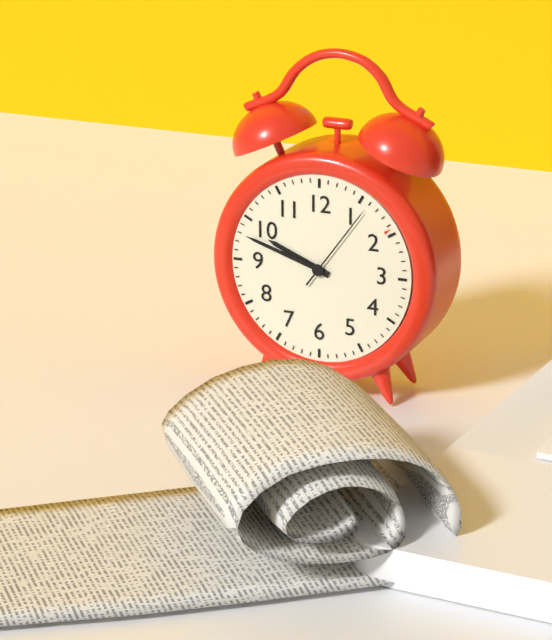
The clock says 9:48:06
